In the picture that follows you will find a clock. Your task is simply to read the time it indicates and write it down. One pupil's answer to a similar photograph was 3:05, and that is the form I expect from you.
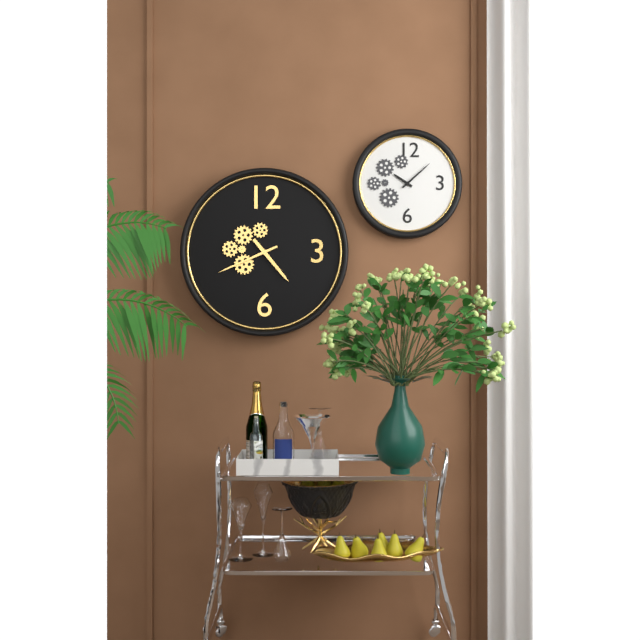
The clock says 4:41
